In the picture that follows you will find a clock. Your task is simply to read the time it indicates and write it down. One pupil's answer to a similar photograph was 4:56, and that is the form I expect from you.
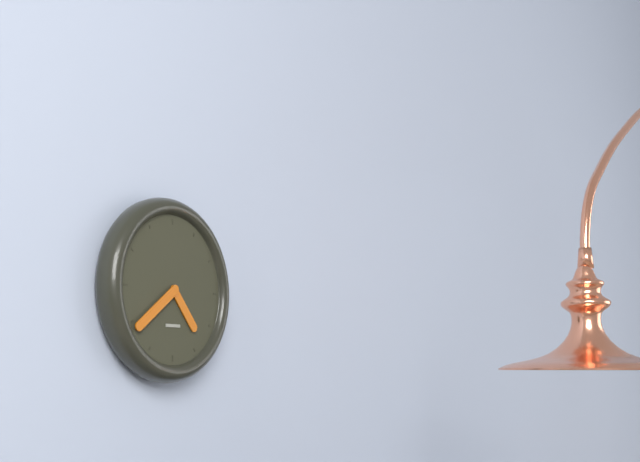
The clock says 4:39
